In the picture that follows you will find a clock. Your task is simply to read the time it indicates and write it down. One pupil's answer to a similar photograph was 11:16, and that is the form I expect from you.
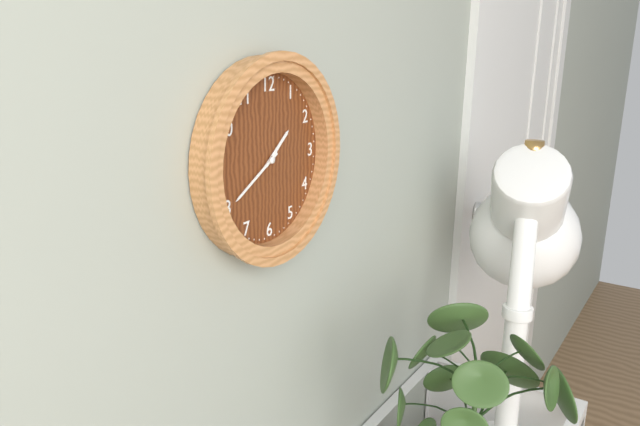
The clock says 1:40
